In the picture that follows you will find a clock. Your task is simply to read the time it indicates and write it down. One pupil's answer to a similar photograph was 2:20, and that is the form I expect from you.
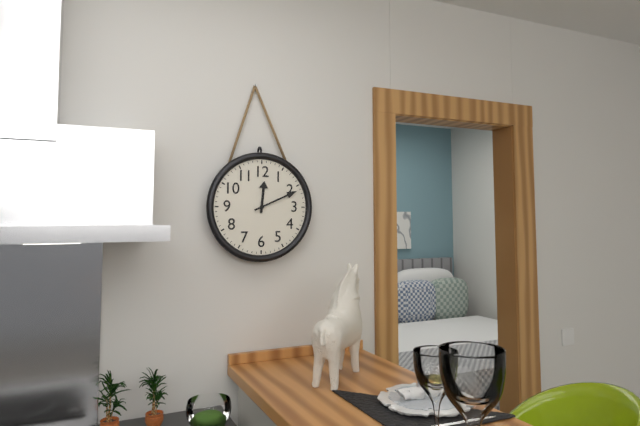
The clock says 12:11
